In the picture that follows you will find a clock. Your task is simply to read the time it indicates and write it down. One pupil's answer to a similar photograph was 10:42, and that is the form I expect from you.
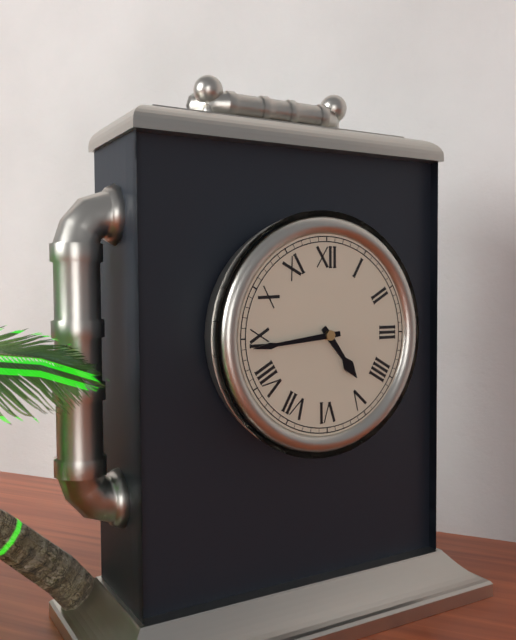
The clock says 4:44
